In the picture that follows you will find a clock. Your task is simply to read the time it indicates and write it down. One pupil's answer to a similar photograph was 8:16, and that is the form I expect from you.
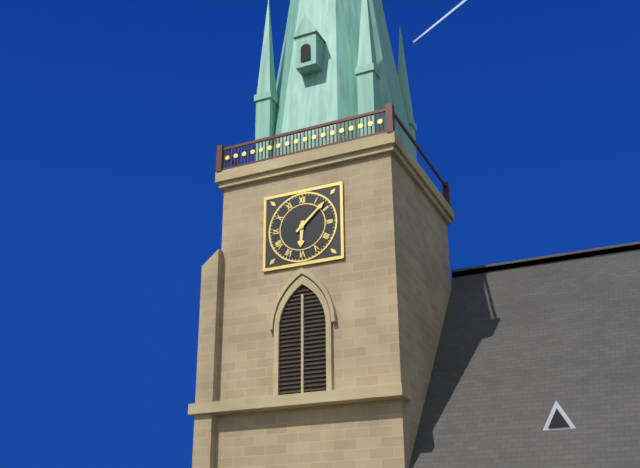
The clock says 6:08
